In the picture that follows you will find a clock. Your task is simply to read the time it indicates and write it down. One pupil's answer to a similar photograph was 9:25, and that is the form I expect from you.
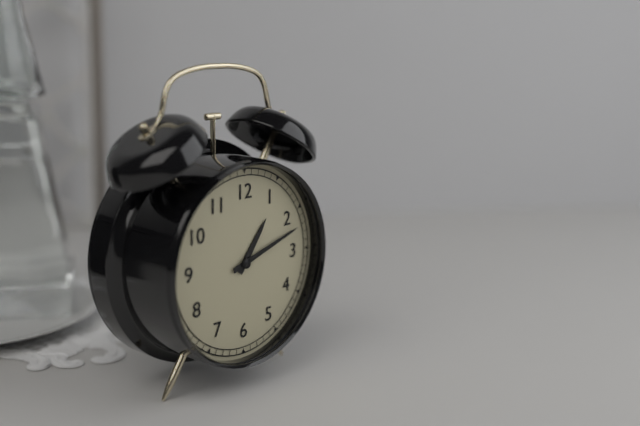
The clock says 1:12
